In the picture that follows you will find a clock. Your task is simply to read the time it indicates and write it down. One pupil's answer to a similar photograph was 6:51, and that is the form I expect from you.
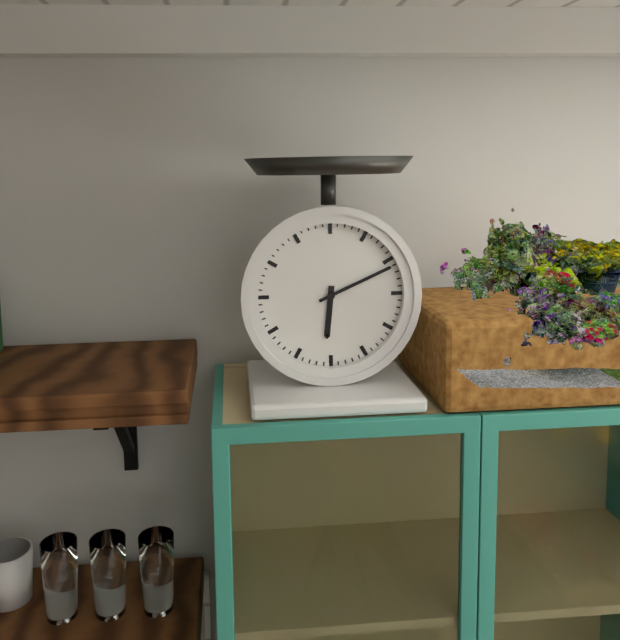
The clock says 6:11
